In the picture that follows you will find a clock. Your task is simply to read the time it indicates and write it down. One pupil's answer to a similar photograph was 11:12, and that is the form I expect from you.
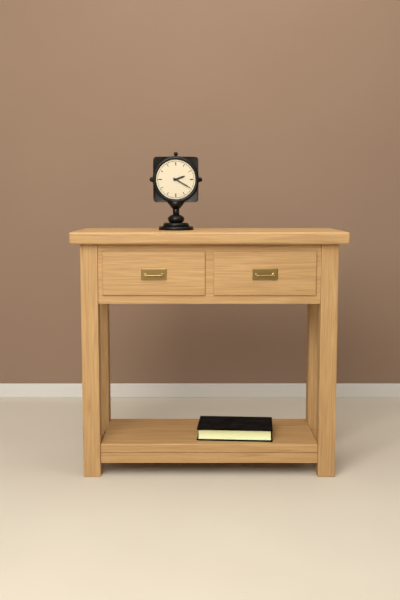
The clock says 2:20
